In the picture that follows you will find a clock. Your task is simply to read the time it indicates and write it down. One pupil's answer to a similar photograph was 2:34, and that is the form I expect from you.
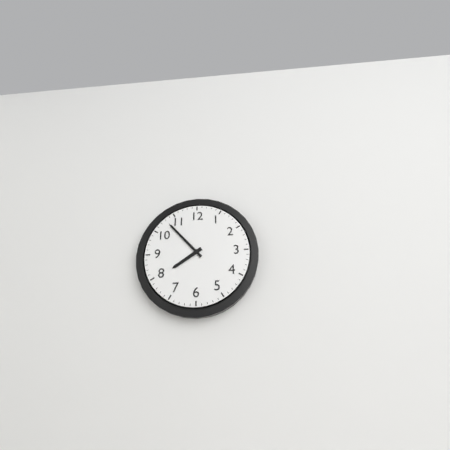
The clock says 7:53
